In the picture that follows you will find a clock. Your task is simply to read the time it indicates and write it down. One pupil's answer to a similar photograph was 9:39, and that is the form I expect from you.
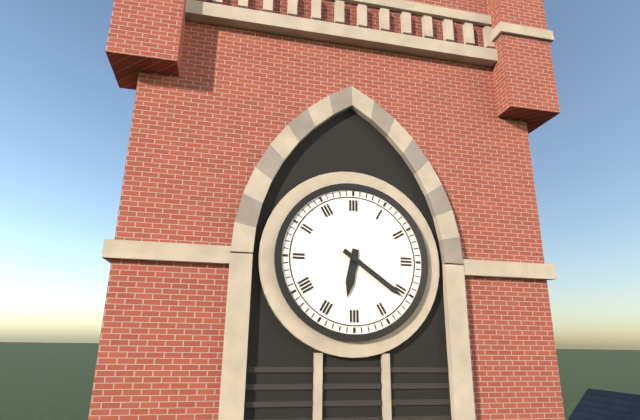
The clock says 6:21
